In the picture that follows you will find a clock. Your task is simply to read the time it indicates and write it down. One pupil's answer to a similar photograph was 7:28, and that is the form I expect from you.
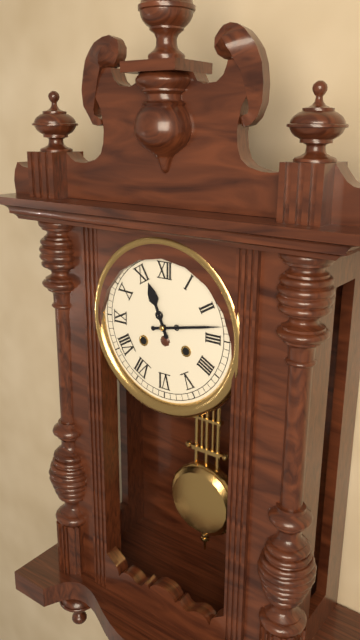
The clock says 11:13
